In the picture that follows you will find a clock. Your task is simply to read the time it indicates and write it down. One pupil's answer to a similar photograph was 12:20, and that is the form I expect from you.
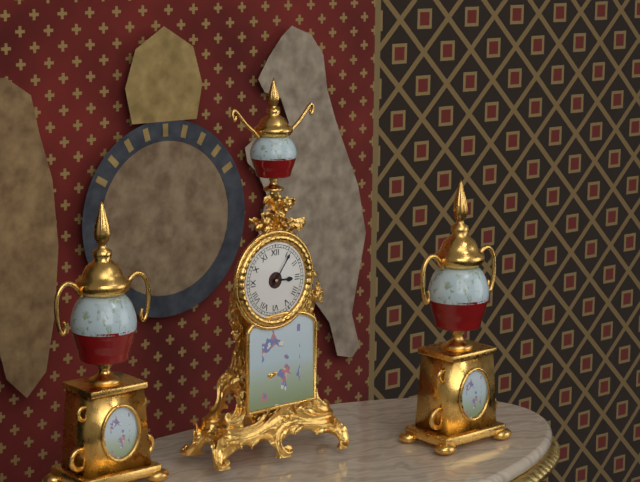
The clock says 3:06
